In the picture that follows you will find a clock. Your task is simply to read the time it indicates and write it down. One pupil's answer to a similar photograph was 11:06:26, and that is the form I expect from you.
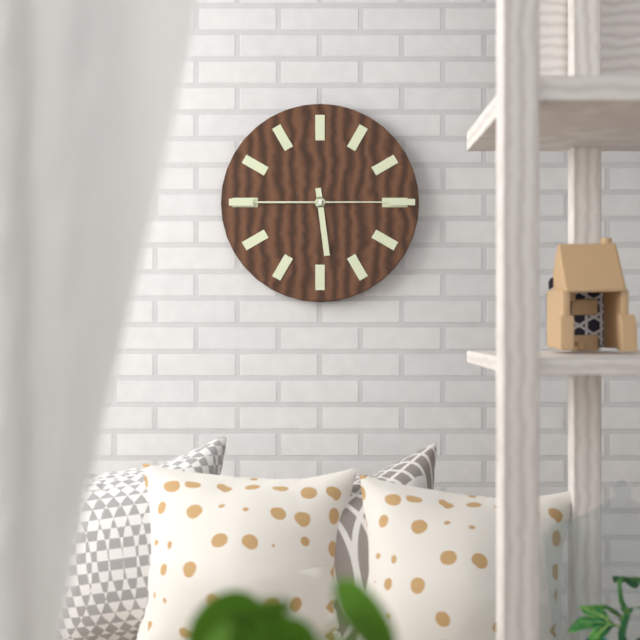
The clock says 5:45:15
